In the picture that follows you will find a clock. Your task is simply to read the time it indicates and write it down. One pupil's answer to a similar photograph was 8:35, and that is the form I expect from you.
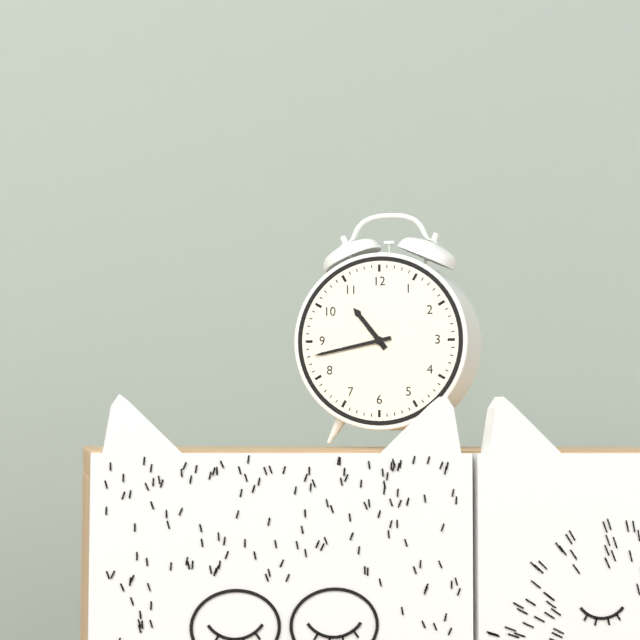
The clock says 10:43
